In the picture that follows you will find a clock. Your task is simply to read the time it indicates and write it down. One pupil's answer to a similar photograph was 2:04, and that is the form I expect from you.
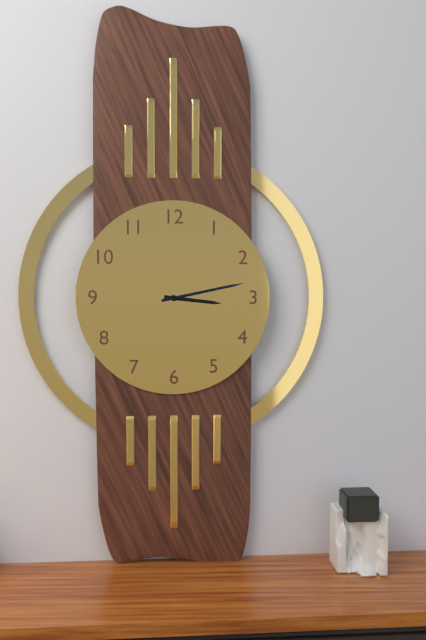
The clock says 3:13
